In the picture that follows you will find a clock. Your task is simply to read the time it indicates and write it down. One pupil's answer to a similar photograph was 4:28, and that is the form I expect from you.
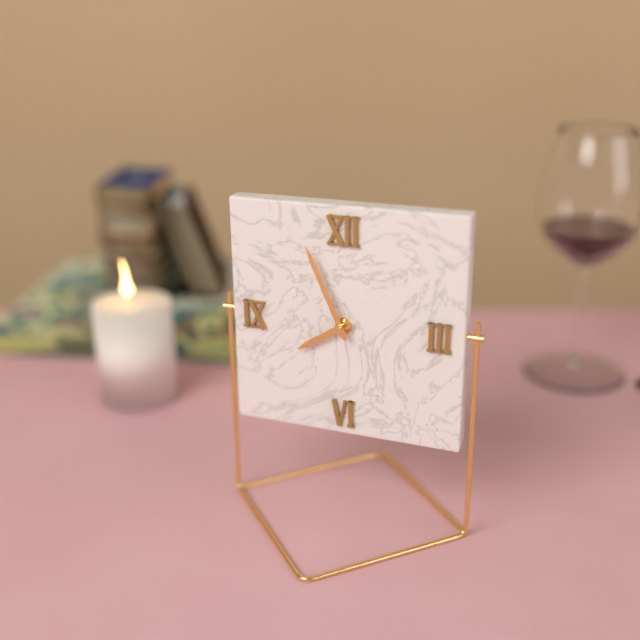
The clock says 7:56
